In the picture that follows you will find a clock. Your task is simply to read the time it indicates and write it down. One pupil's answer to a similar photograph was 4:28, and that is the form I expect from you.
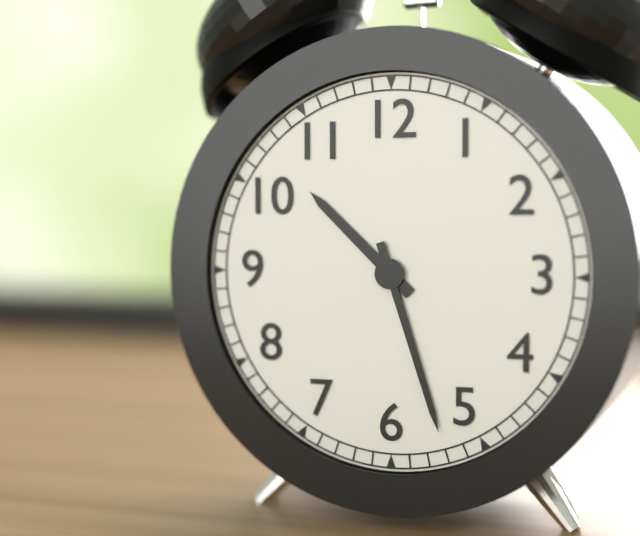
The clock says 10:27
